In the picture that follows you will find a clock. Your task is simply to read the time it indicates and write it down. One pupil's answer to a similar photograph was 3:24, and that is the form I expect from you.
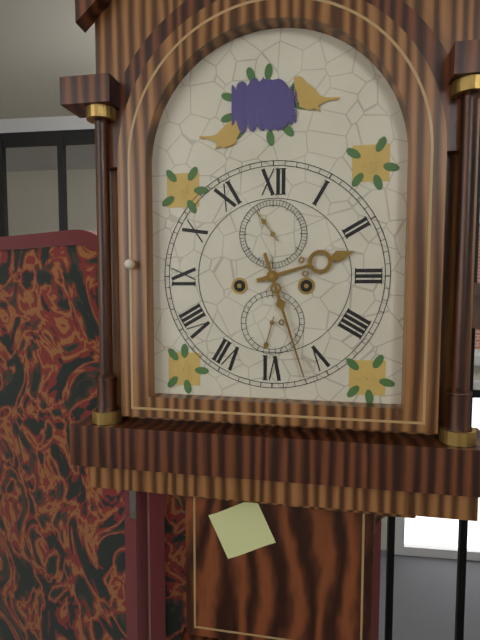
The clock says 2:27
